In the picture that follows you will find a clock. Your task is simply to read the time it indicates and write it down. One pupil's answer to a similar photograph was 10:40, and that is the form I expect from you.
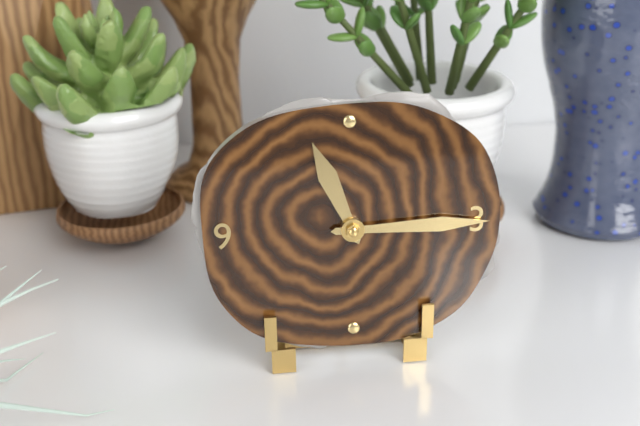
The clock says 11:15
